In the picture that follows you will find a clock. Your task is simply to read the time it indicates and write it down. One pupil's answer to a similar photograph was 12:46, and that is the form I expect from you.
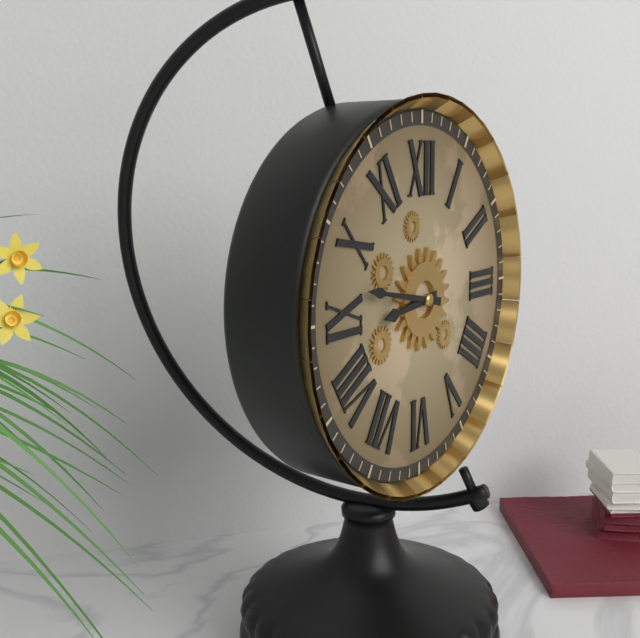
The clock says 8:47
